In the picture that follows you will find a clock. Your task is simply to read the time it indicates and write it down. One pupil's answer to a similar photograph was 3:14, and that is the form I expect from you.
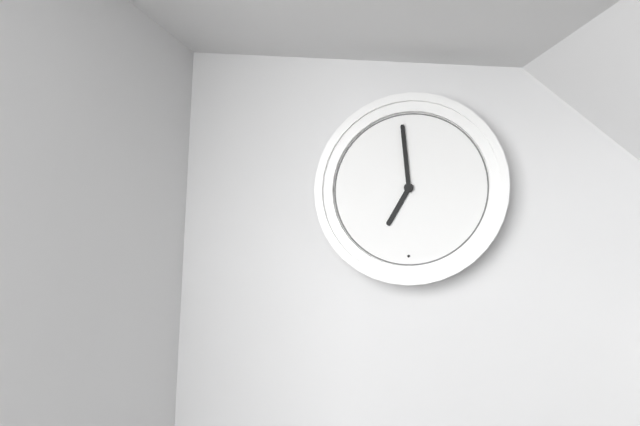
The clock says 6:59
